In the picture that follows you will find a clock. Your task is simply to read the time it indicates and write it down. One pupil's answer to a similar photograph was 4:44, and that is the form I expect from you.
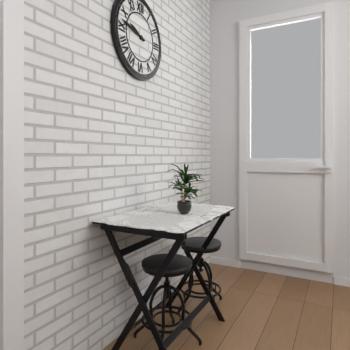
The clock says 9:47
